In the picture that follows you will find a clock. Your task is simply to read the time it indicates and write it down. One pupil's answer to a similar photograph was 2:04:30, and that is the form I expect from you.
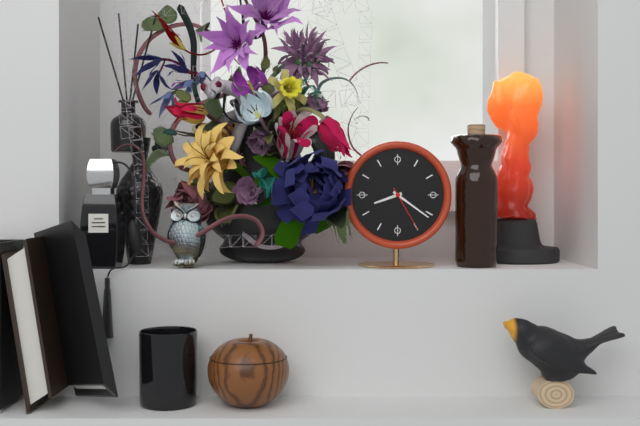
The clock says 8:21:25
